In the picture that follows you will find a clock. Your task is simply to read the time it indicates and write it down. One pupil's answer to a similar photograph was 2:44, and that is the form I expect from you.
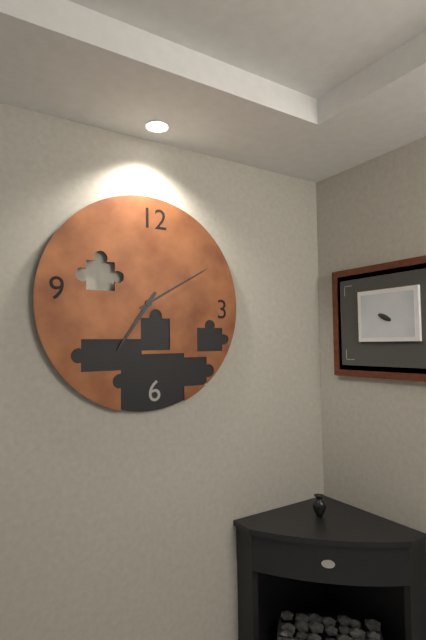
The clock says 7:10
